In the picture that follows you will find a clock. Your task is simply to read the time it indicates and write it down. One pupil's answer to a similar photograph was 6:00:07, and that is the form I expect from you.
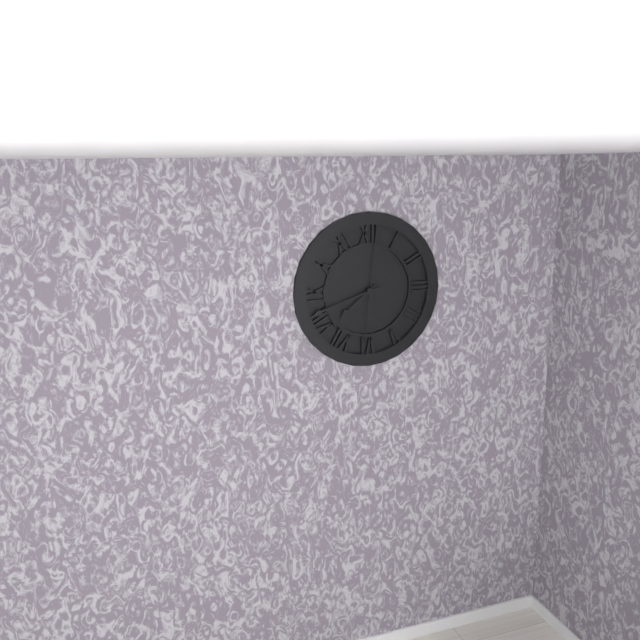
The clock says 7:42:01
